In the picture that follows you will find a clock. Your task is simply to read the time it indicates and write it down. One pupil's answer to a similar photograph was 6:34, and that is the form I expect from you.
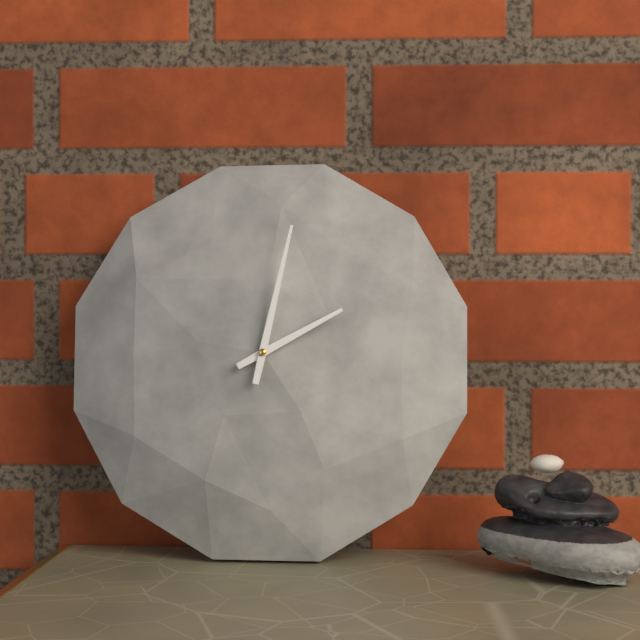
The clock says 2:02
